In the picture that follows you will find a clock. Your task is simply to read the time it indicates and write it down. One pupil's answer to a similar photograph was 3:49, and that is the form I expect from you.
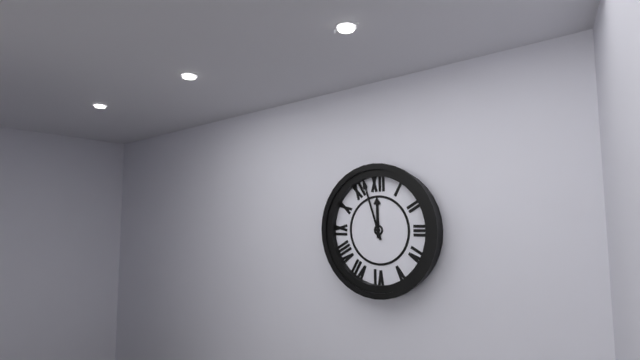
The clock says 11:57
